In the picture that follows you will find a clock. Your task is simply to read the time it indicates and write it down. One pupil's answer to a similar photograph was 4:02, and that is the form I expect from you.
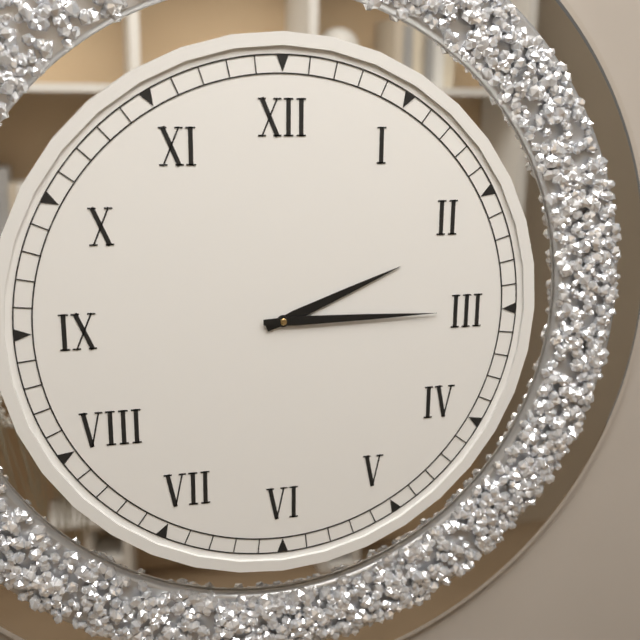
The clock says 2:15
